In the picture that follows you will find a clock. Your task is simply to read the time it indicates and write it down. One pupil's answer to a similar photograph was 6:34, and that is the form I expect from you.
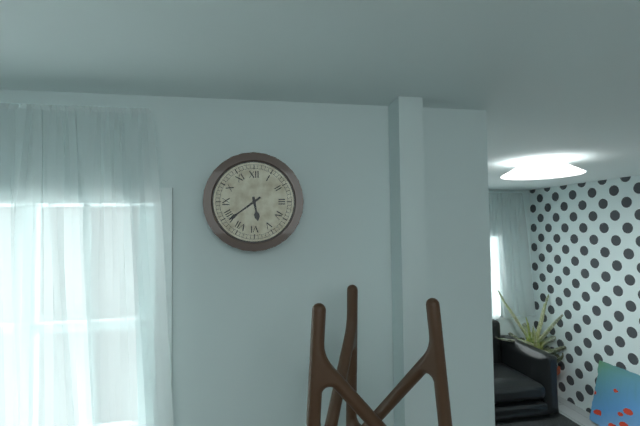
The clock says 5:39
